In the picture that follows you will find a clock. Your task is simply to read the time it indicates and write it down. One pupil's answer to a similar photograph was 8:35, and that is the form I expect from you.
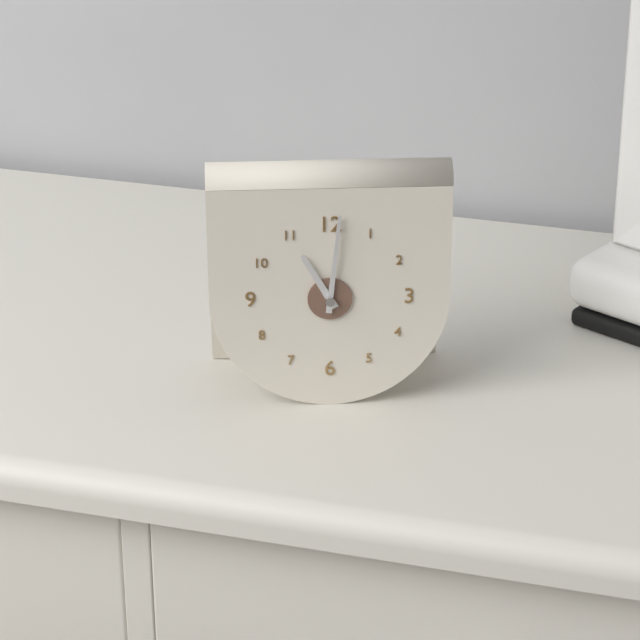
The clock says 11:01
